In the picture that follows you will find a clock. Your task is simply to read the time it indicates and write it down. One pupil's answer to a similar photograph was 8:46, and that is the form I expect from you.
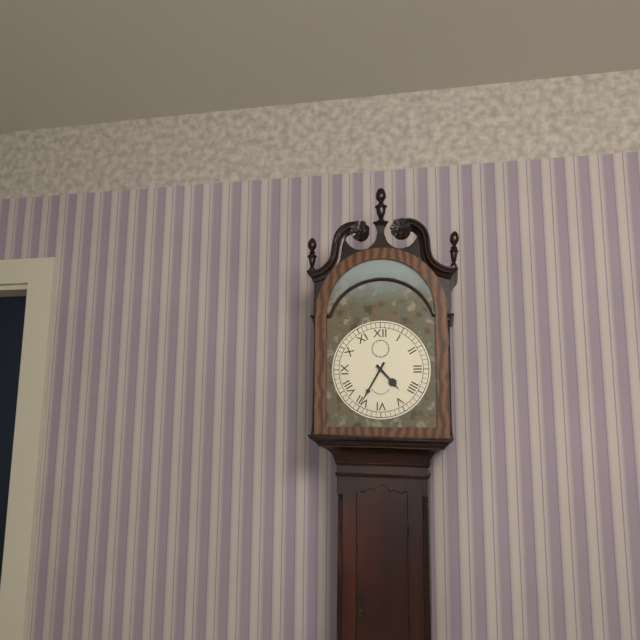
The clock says 4:35
